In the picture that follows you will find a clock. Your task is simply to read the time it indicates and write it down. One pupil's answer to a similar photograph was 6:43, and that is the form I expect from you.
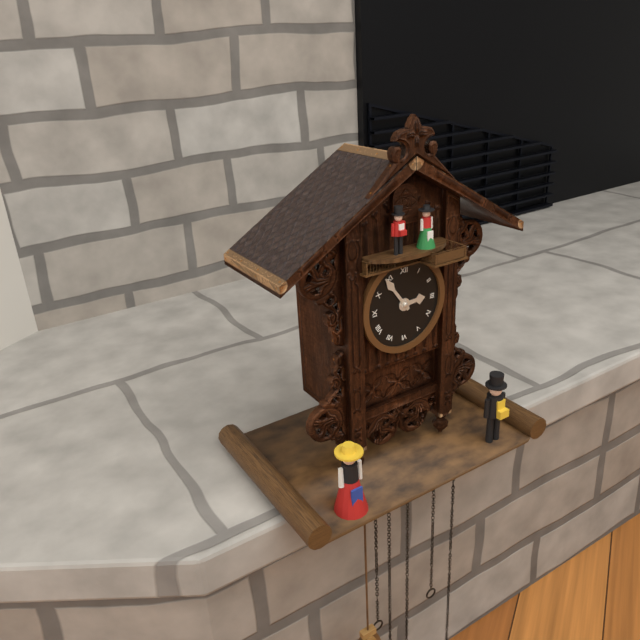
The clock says 2:54
